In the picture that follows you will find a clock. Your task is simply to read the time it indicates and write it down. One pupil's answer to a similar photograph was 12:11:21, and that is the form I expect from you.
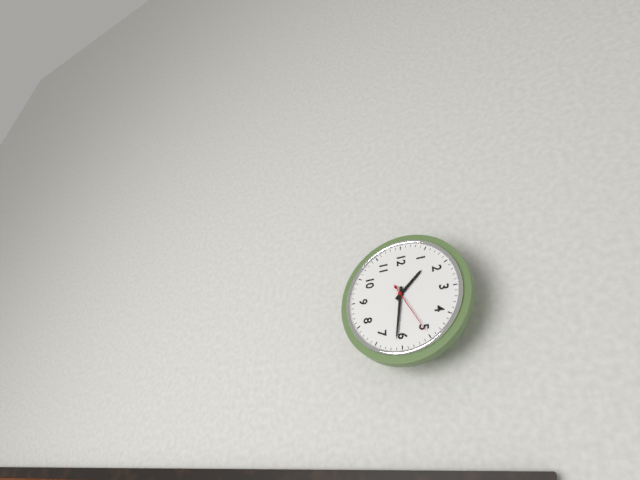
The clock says 1:31:25
